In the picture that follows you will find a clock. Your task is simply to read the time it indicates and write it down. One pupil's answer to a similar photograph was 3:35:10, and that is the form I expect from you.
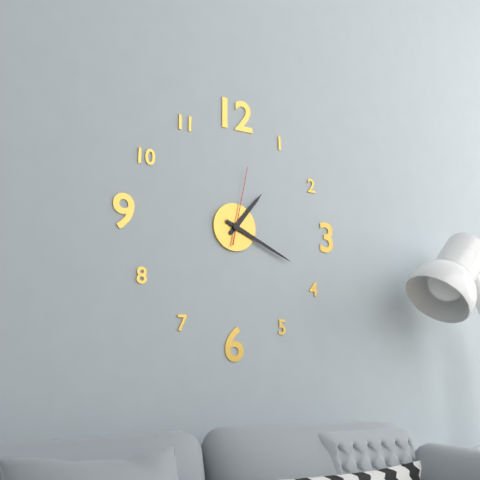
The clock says 1:19:02
